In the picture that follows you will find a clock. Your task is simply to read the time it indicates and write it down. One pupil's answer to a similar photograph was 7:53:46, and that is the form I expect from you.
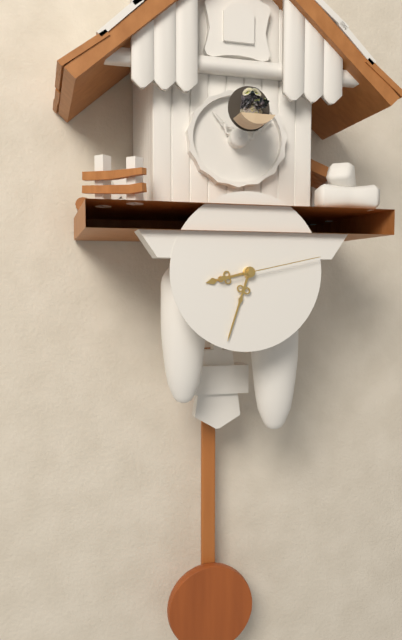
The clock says 8:33:13
